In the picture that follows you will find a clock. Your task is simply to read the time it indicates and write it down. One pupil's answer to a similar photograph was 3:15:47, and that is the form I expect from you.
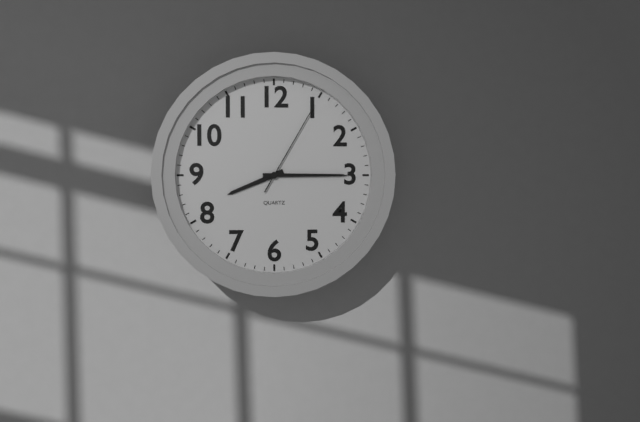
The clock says 8:15:05
